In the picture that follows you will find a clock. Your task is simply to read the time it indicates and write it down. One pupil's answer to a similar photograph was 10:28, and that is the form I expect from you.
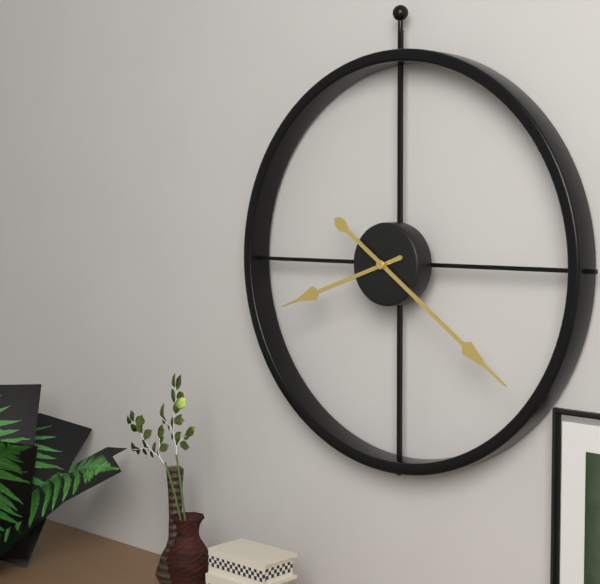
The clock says 8:21
